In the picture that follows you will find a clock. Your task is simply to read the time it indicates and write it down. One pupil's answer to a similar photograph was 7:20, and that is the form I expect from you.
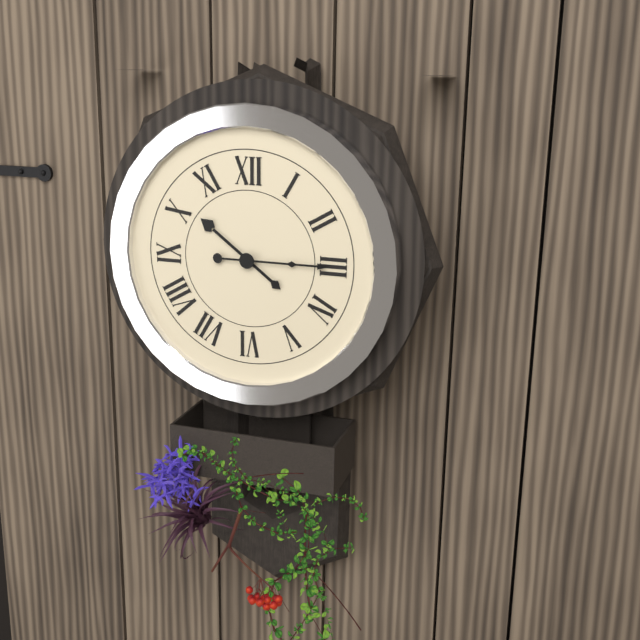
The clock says 10:15
